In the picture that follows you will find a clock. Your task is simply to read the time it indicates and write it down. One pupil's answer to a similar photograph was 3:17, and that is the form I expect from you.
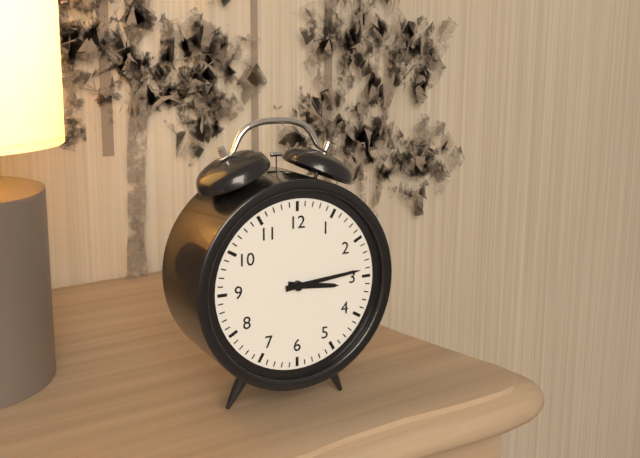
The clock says 3:14
